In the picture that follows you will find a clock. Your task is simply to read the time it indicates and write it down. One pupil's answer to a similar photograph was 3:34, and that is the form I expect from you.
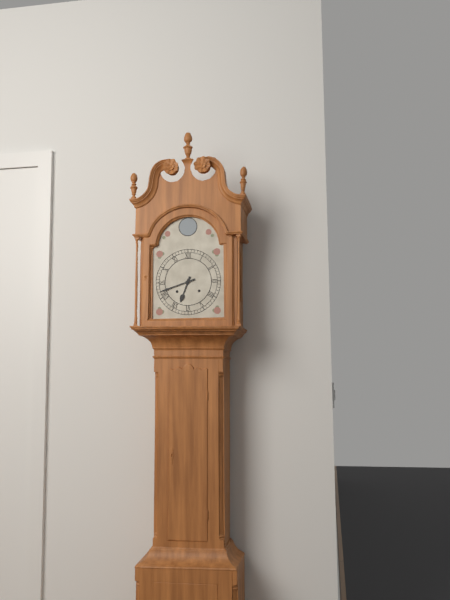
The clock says 6:42
